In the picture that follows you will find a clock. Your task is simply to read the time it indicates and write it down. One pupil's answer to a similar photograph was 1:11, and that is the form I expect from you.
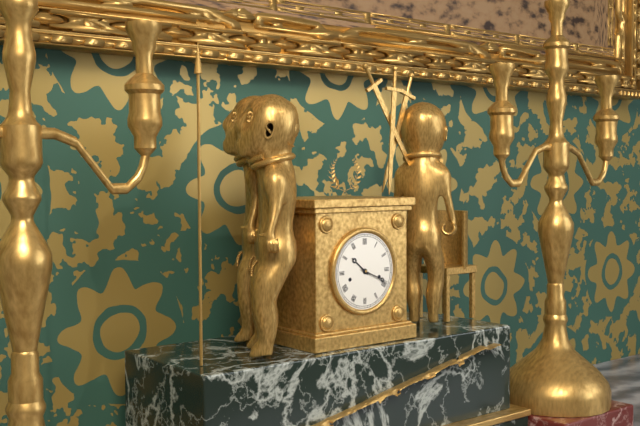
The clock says 10:19
